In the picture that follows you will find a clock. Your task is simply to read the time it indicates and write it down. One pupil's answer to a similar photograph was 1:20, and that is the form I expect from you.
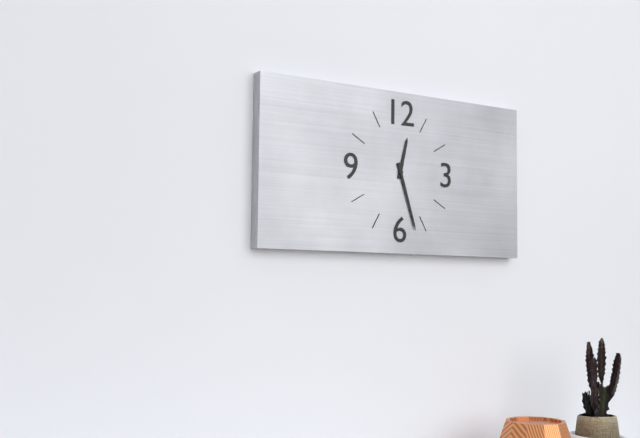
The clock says 12:27
